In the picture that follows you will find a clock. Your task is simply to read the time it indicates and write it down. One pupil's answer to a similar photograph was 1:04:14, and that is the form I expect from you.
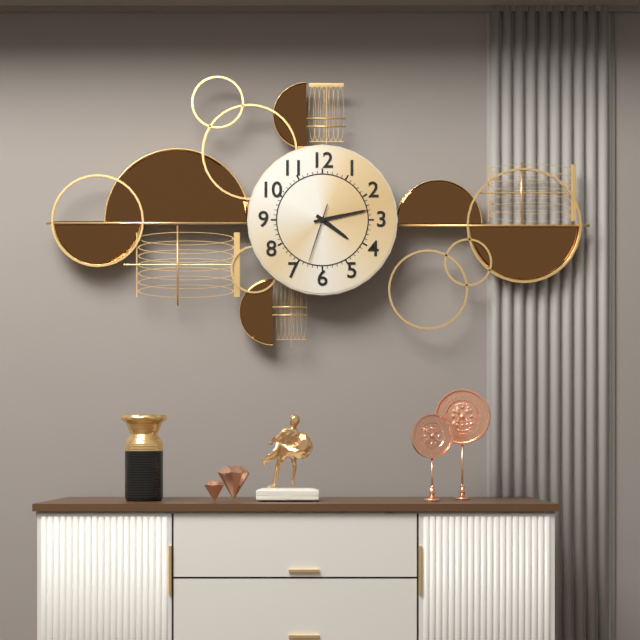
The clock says 4:13:33
